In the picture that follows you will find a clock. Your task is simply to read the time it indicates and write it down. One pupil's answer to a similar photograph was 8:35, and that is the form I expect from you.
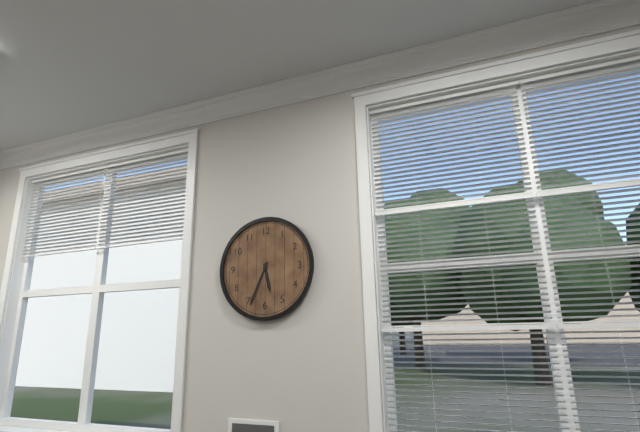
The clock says 5:34
